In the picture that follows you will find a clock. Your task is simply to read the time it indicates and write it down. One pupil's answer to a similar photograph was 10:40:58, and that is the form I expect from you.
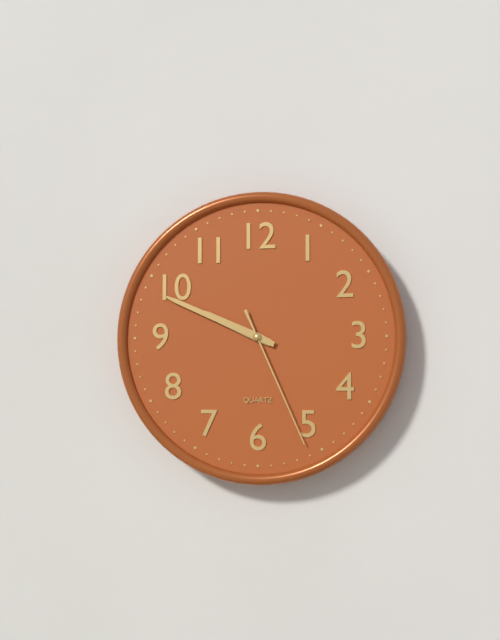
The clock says 9:49:26
